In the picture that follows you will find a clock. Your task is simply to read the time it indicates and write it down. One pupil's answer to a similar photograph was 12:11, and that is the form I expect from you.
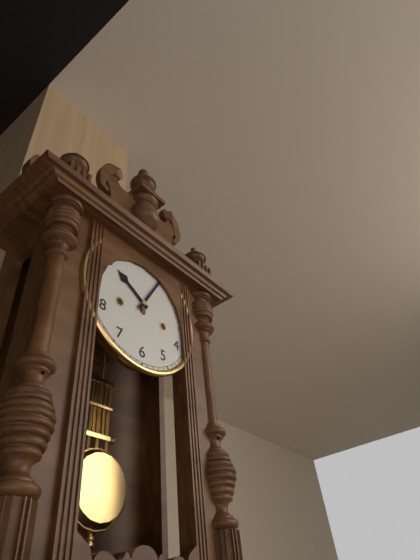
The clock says 10:05
